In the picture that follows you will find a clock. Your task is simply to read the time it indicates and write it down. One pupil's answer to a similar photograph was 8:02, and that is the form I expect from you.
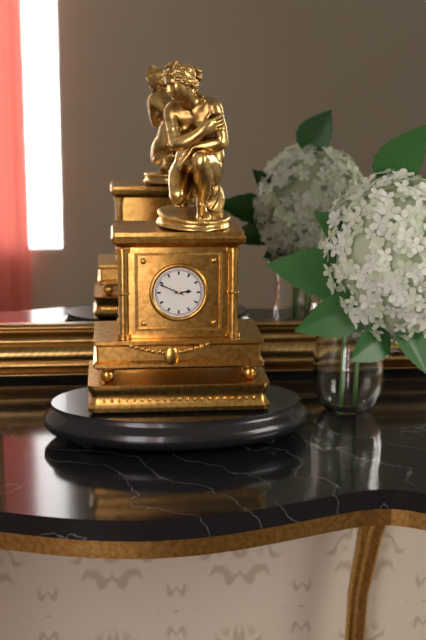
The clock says 2:49
